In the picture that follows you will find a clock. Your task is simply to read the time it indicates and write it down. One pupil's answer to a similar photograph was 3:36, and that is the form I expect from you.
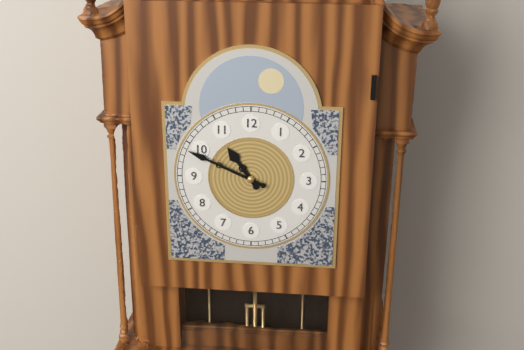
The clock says 10:49
